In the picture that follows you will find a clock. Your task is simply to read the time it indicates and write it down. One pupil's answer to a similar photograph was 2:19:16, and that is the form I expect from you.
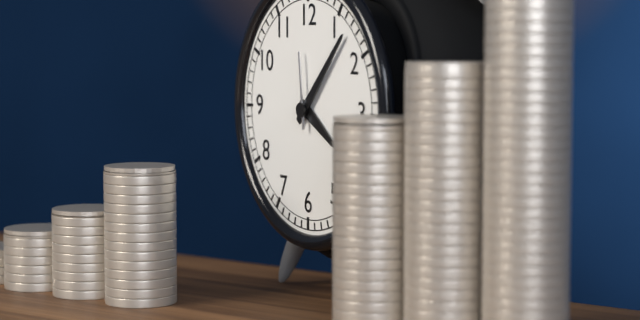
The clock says 4:07:59
